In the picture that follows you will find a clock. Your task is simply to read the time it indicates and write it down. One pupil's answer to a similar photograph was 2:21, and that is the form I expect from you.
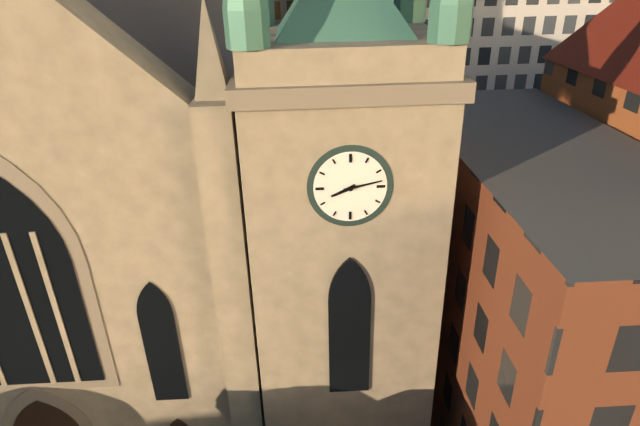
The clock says 8:13
